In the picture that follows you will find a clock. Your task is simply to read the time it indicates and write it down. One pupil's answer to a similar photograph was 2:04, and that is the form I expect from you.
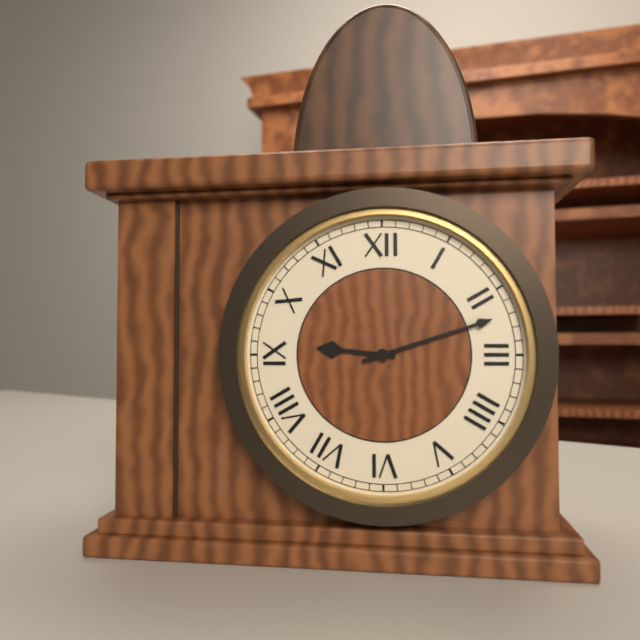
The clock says 9:12
